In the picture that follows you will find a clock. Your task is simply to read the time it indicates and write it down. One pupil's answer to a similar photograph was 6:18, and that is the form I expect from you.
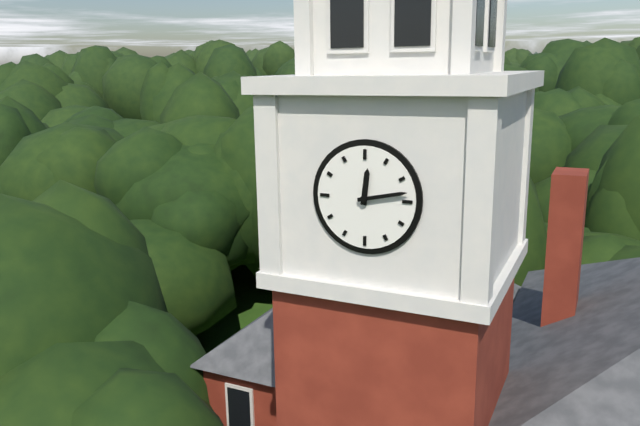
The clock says 12:13
